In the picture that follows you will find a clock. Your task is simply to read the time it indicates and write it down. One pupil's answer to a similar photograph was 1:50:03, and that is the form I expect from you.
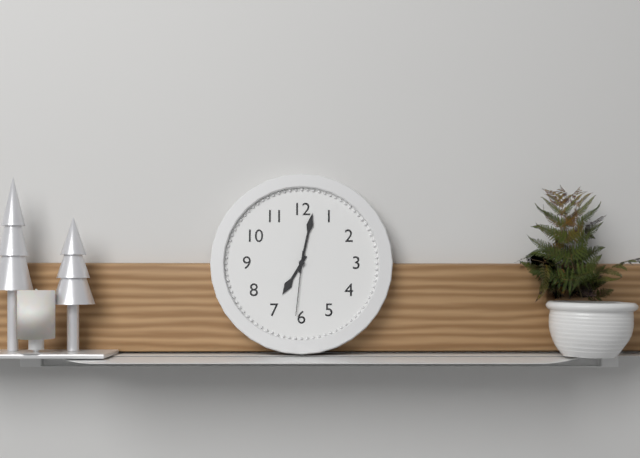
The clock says 7:02:31
